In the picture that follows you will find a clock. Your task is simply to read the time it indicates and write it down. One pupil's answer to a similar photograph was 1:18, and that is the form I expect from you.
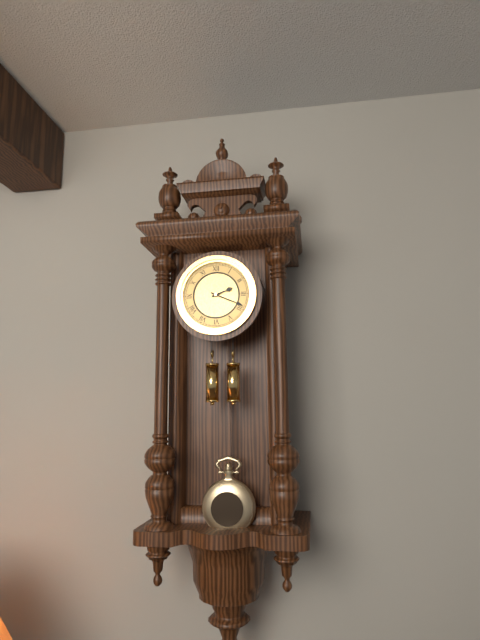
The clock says 2:19
